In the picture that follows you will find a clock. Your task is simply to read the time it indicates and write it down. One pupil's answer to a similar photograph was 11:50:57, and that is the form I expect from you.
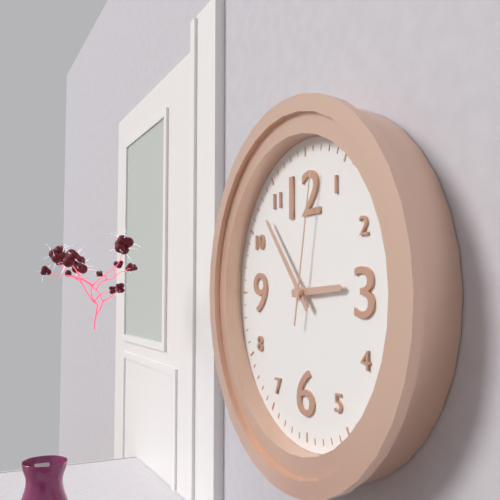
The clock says 2:53:02
